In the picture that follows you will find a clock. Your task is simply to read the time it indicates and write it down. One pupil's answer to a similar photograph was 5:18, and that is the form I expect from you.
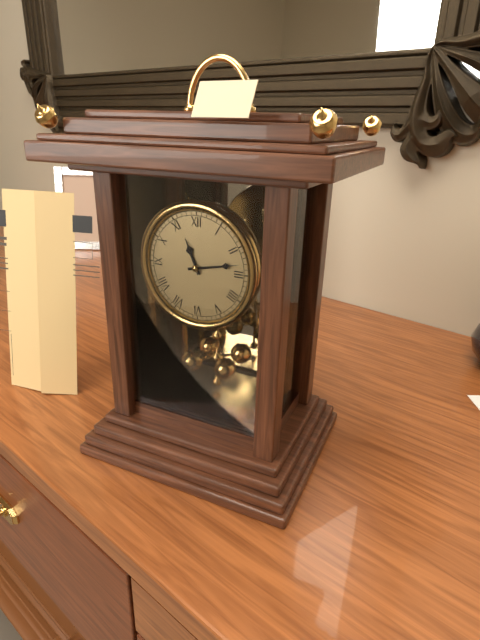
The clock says 11:13
